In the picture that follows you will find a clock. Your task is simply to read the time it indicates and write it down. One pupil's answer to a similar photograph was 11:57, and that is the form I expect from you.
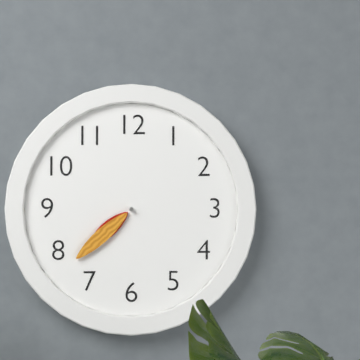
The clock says 7:38
